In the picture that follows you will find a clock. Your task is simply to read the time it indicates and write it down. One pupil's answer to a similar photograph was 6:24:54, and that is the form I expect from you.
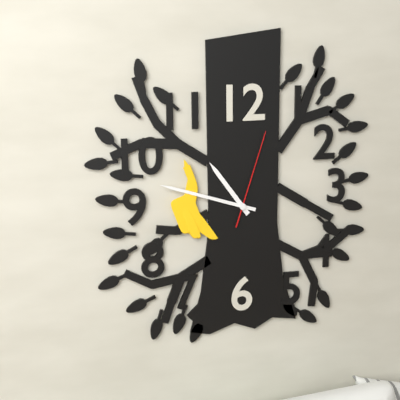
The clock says 10:48:03
